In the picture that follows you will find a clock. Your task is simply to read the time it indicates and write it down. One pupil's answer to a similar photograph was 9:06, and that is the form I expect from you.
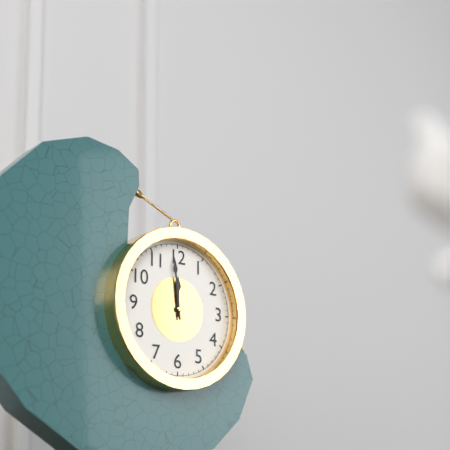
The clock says 11:59
